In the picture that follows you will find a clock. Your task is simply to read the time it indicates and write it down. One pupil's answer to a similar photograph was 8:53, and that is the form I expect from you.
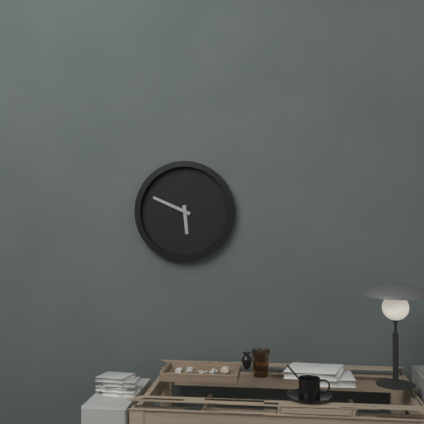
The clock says 5:49
